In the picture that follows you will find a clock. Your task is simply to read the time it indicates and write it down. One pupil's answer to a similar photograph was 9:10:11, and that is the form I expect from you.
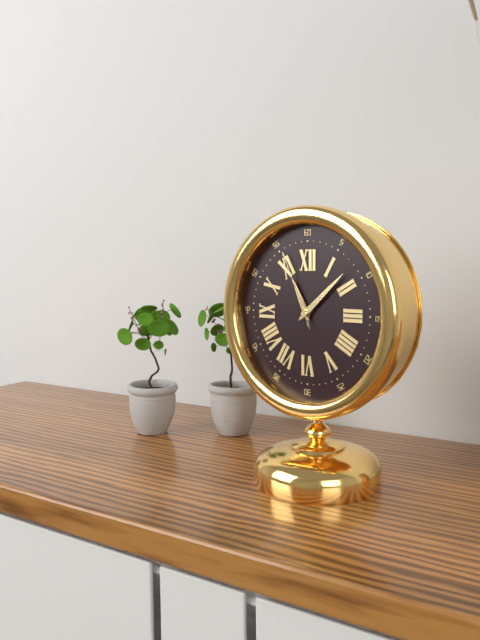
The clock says 11:08:56
